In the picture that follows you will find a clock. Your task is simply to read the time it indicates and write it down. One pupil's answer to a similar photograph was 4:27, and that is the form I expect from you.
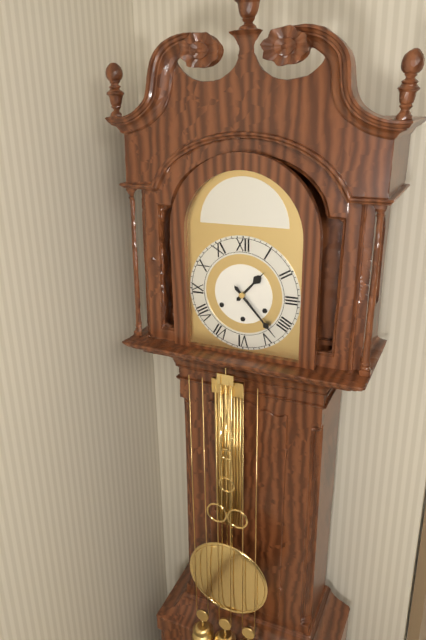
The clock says 1:23
